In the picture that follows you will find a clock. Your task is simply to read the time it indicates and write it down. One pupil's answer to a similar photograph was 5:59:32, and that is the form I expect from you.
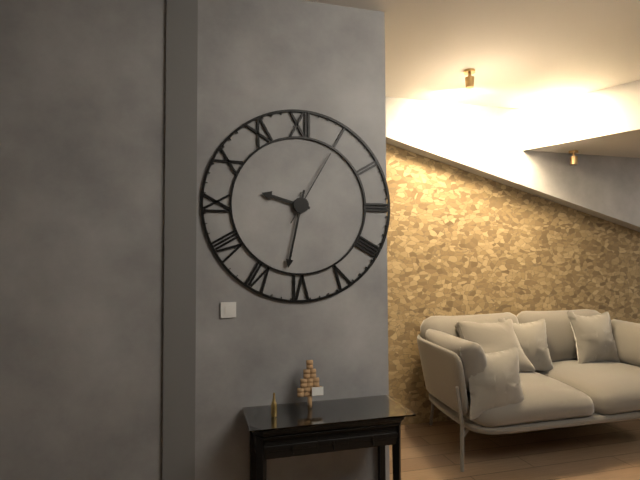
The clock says 9:32:05
